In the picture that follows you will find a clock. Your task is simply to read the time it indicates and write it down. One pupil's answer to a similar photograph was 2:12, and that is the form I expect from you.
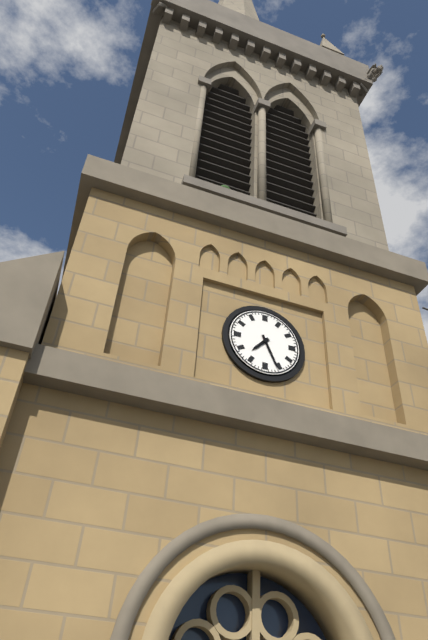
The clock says 7:26
